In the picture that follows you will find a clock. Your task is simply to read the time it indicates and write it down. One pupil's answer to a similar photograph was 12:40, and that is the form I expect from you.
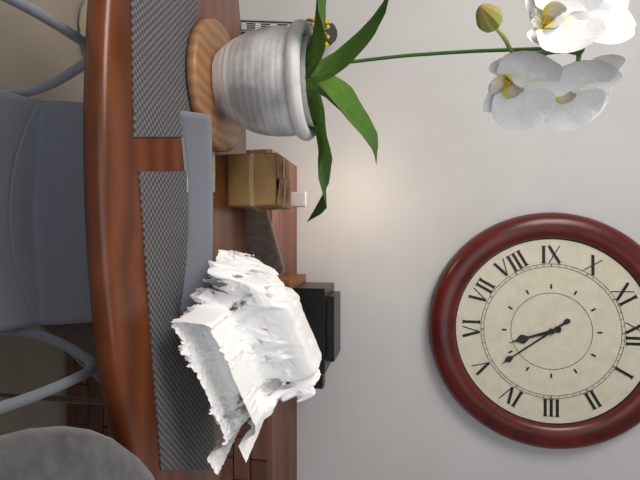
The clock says 5:24
